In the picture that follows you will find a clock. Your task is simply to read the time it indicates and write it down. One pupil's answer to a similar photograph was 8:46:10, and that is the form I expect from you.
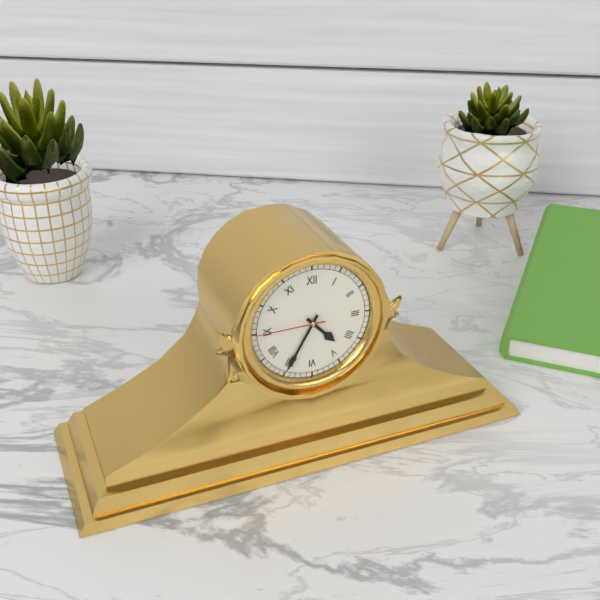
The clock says 4:35:45
